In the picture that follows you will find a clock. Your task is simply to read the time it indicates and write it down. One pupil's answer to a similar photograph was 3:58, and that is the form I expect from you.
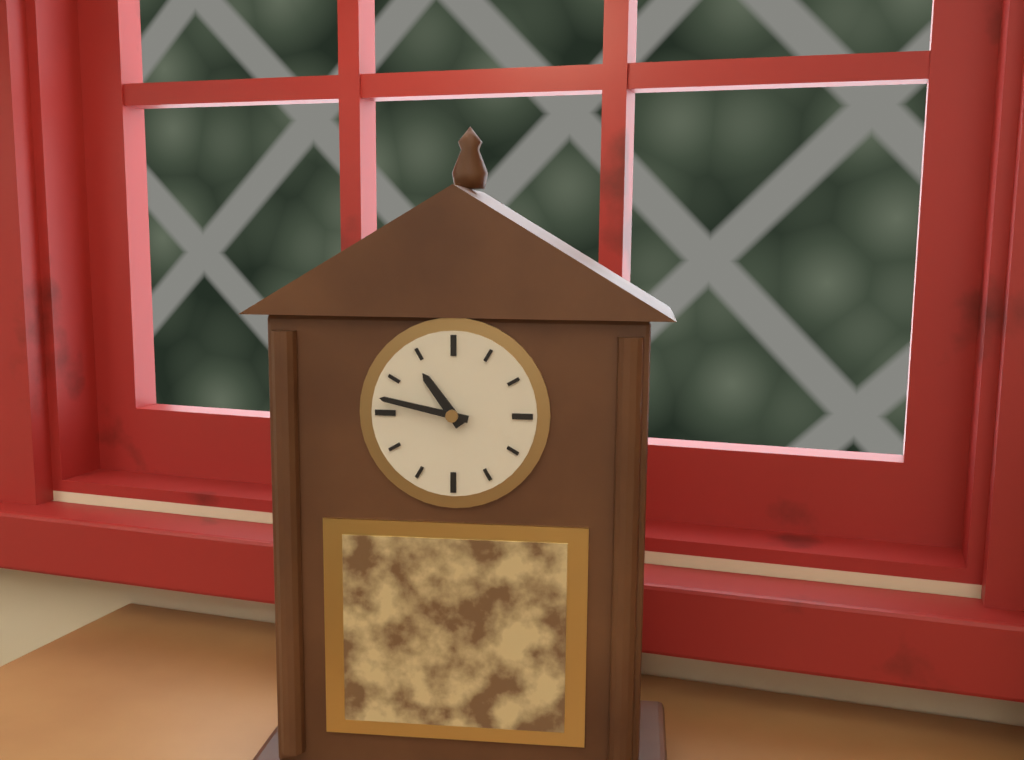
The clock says 10:47
